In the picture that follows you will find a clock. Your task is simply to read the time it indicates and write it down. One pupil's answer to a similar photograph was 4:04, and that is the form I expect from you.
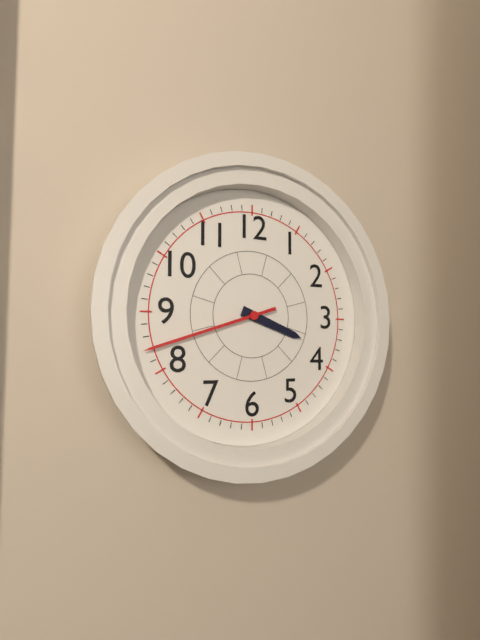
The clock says 3:42
